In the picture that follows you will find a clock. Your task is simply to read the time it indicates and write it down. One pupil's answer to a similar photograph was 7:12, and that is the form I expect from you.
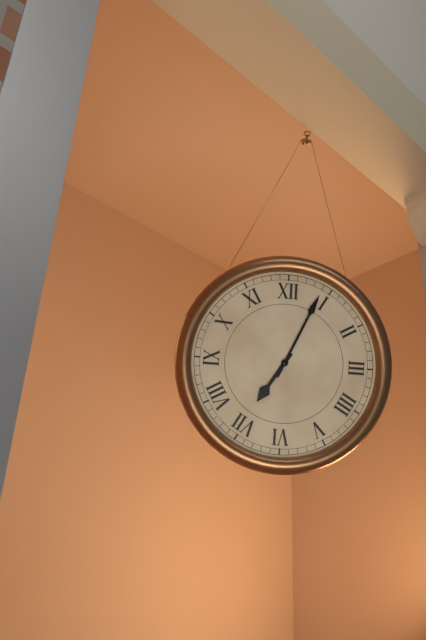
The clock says 7:04
